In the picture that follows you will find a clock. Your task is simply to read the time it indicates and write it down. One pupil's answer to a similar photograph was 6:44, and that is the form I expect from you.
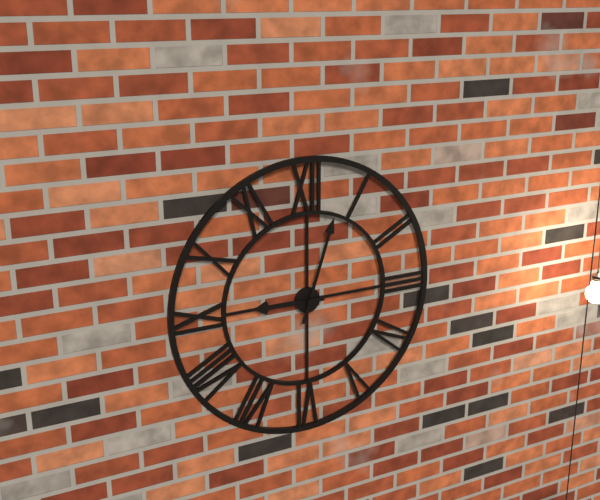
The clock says 9:03
